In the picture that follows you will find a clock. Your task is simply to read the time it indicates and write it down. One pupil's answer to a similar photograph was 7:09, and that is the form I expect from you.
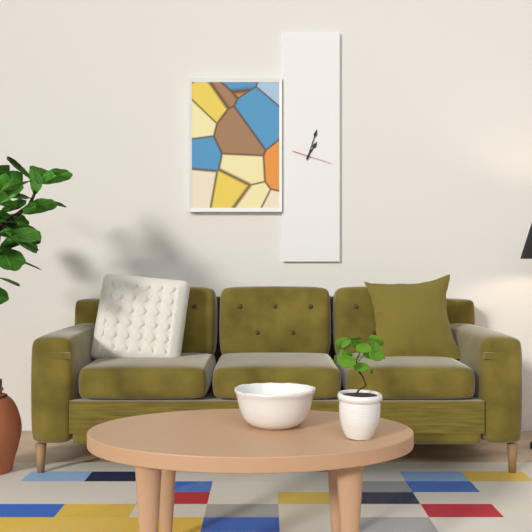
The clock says 1:03
